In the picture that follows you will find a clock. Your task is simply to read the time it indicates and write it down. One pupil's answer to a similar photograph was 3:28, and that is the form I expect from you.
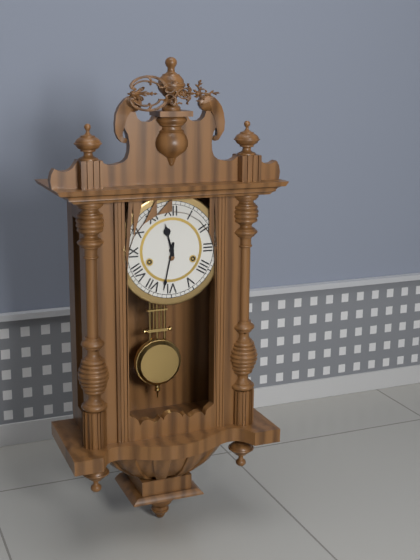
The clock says 11:32
